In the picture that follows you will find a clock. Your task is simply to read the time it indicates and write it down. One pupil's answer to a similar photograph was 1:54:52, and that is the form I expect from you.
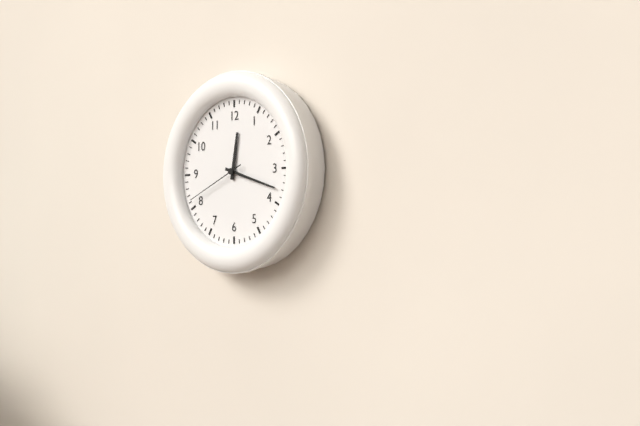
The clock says 12:18:41
